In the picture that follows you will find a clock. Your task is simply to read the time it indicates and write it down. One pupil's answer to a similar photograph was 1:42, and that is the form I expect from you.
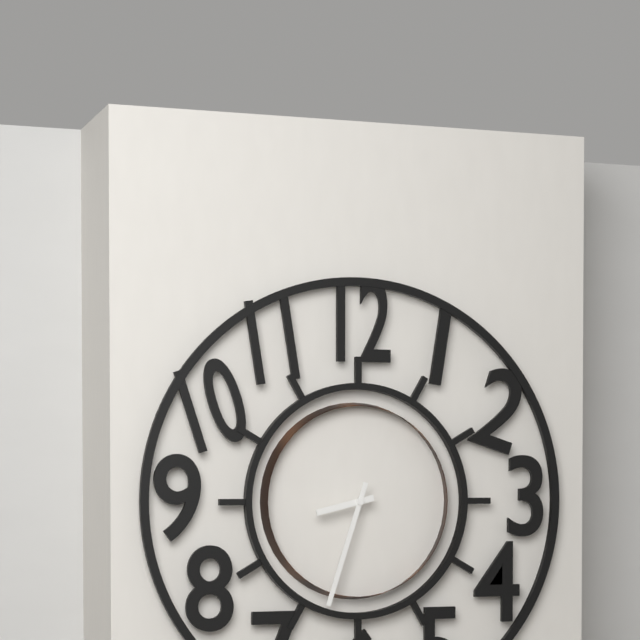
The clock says 8:33
